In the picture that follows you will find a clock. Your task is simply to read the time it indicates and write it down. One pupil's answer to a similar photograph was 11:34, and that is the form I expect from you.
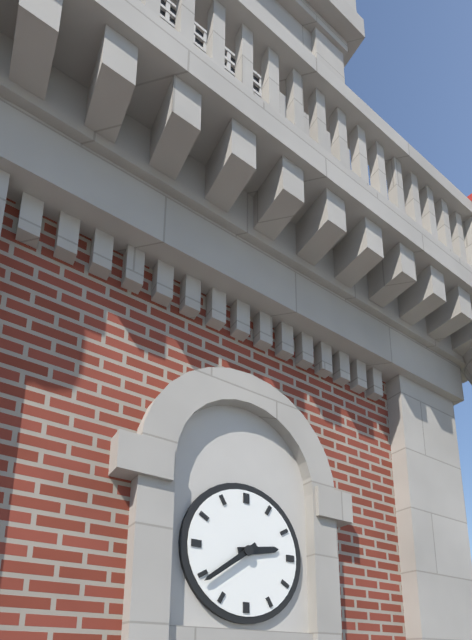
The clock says 2:39
